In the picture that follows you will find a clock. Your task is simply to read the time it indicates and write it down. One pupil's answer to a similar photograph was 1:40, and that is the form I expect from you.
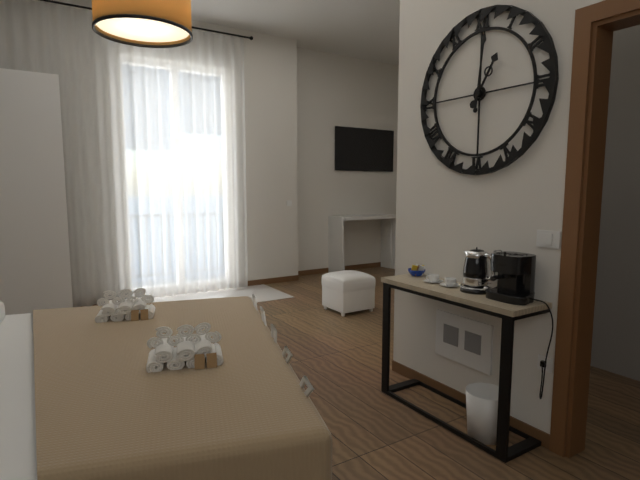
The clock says 1:01
